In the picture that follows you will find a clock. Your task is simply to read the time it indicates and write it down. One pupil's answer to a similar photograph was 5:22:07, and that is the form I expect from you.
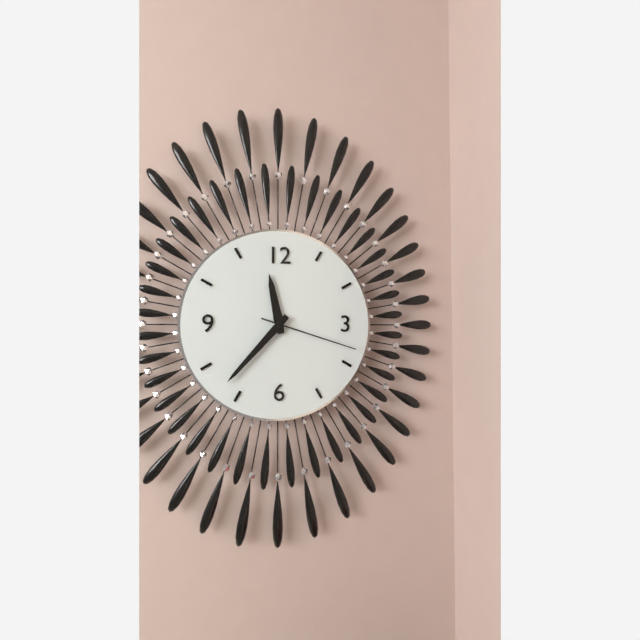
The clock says 11:37:18
